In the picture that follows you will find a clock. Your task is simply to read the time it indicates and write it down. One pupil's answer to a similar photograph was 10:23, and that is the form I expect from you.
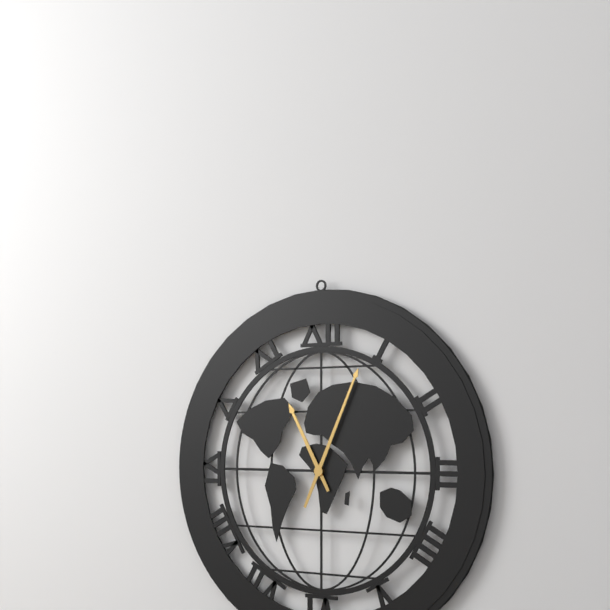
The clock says 11:04
